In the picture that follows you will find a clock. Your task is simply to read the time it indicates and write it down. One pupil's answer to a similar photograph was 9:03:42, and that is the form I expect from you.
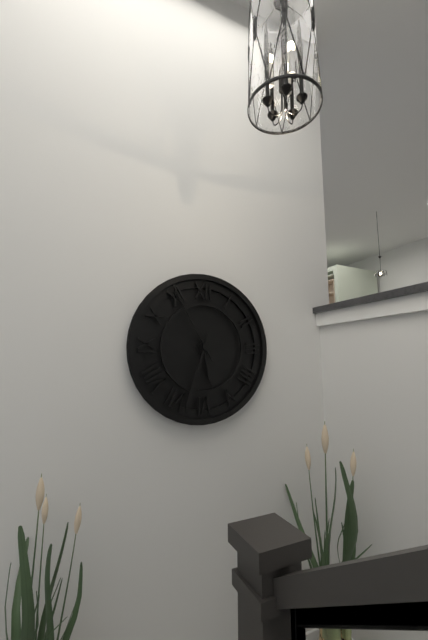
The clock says 5:33:55
